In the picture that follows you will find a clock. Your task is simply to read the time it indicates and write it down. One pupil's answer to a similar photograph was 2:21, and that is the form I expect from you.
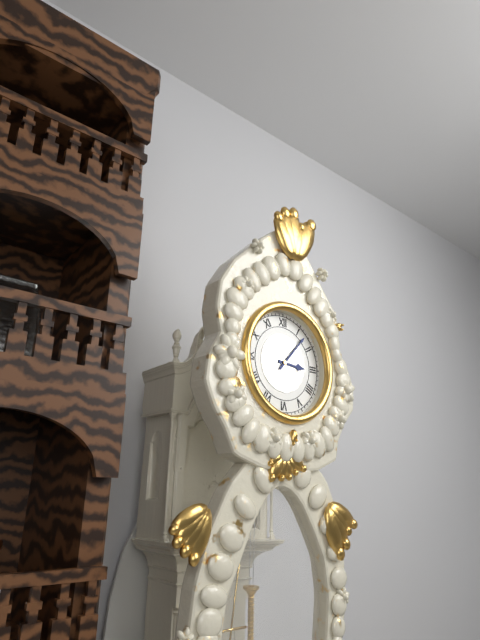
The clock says 3:07
